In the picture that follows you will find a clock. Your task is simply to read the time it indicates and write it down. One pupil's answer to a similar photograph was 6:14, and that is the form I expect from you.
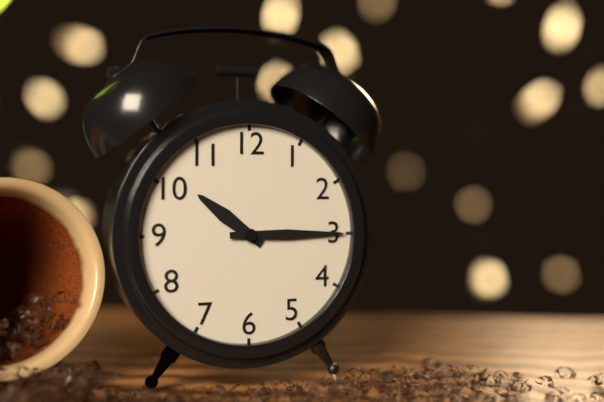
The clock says 10:15
